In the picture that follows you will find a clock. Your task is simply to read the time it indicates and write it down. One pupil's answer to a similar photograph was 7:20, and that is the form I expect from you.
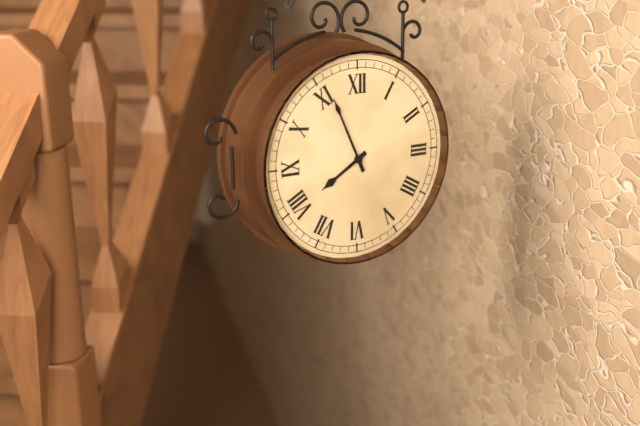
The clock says 7:56
